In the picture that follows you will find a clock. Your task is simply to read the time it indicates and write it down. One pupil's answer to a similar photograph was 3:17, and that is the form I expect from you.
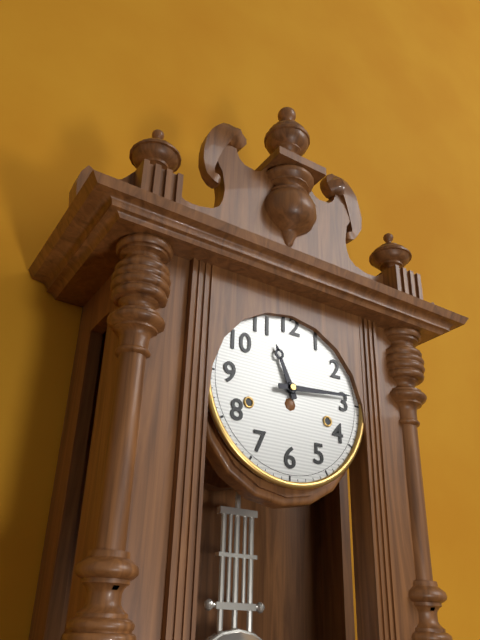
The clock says 11:14
